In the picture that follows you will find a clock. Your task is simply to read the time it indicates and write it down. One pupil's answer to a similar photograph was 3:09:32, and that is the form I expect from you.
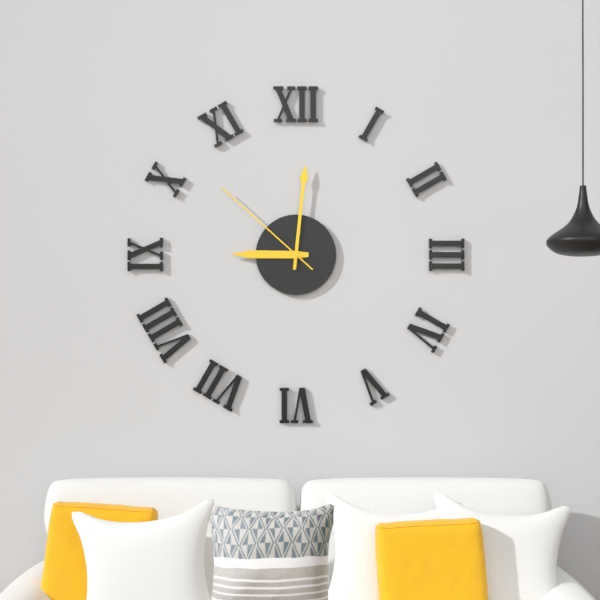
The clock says 9:01:52
